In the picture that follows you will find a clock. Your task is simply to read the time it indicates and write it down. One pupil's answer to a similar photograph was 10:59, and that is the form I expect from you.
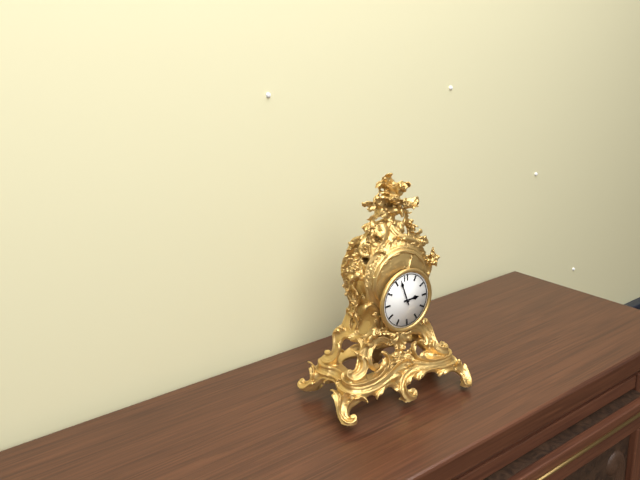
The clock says 2:57
